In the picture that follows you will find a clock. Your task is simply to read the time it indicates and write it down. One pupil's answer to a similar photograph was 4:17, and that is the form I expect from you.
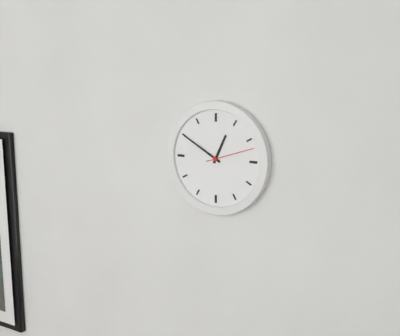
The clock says 12:50
